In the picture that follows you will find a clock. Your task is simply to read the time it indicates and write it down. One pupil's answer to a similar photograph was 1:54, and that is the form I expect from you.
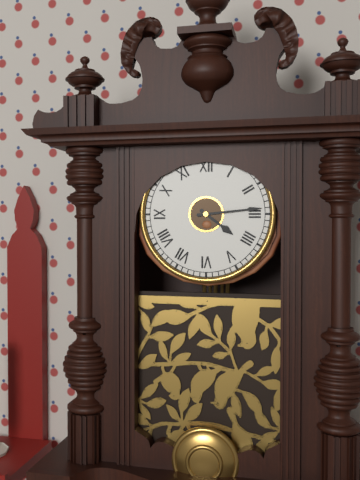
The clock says 4:14
